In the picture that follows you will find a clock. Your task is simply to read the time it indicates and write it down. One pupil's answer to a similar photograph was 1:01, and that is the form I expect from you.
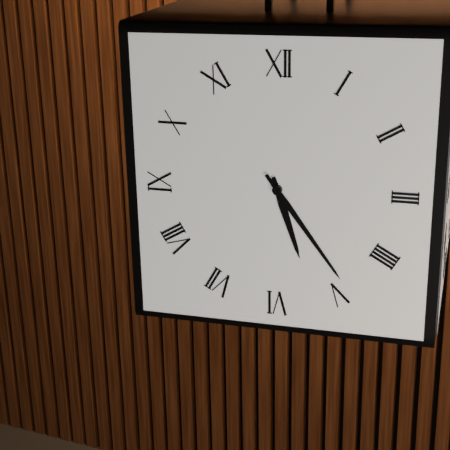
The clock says 5:24
